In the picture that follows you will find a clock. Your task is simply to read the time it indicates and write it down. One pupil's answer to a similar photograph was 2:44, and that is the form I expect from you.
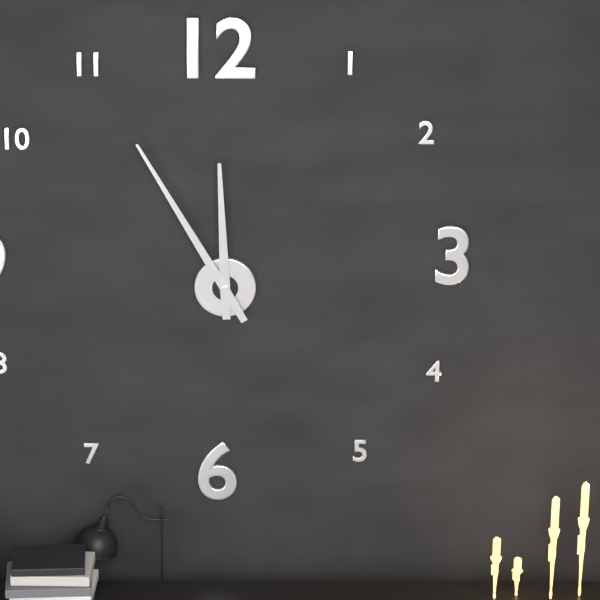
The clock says 11:55
